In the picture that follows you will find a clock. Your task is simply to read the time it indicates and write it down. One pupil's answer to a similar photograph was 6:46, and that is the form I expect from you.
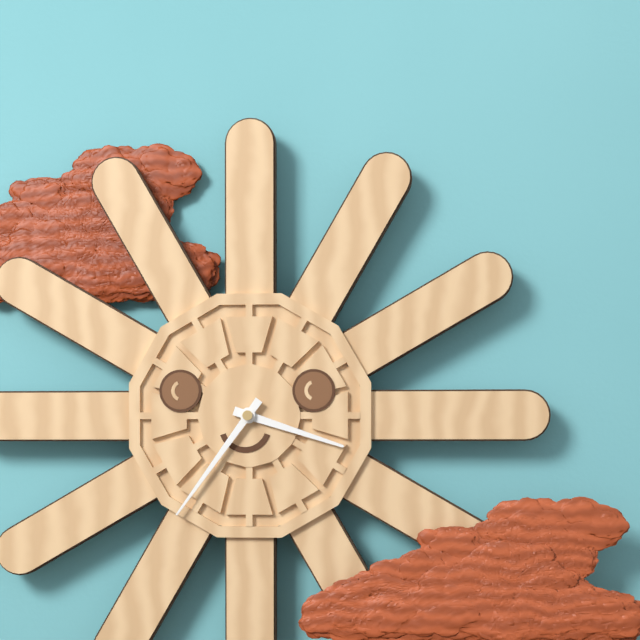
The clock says 3:36
